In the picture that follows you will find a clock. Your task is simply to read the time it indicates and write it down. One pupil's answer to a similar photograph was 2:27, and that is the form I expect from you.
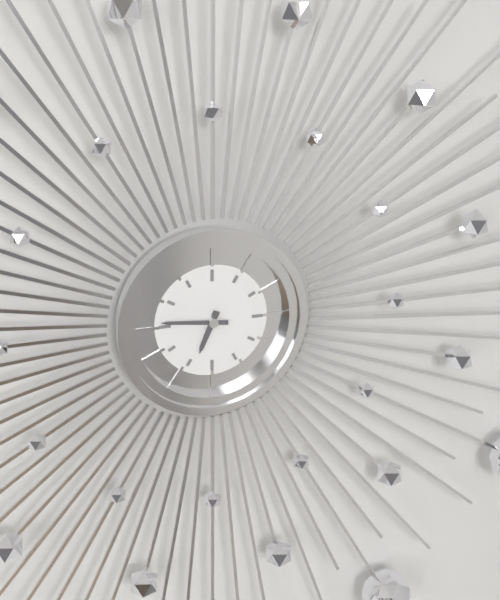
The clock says 6:46
